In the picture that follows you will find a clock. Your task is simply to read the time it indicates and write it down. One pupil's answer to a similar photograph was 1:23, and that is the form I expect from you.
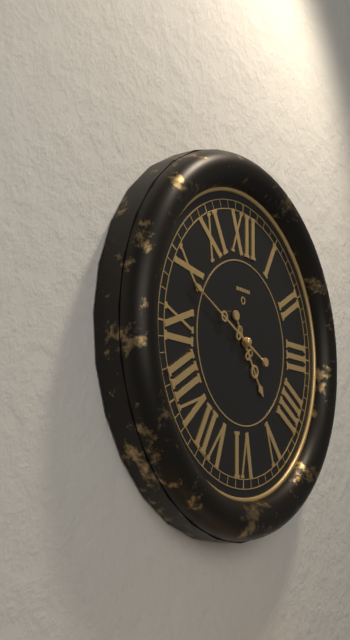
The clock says 4:49
